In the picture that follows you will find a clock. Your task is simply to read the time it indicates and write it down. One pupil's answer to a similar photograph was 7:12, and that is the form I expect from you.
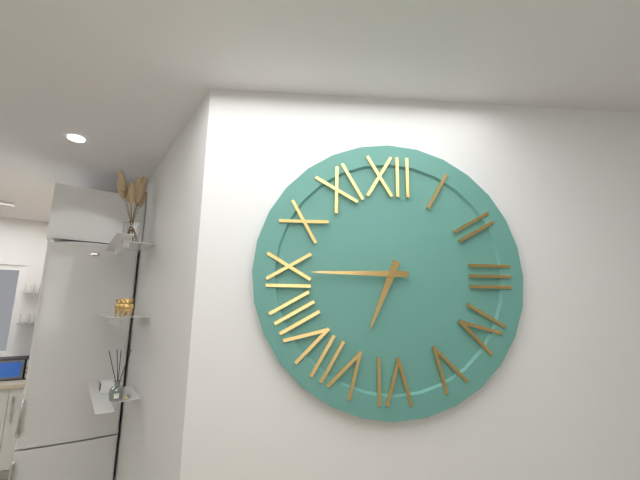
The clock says 6:45
